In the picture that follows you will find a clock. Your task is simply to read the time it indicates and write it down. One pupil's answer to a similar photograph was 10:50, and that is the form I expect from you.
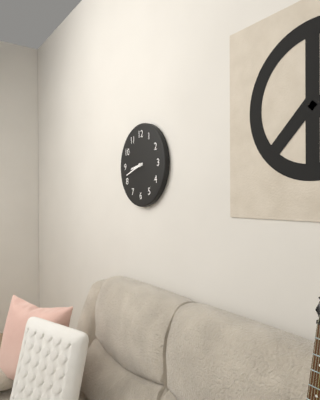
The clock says 8:42
